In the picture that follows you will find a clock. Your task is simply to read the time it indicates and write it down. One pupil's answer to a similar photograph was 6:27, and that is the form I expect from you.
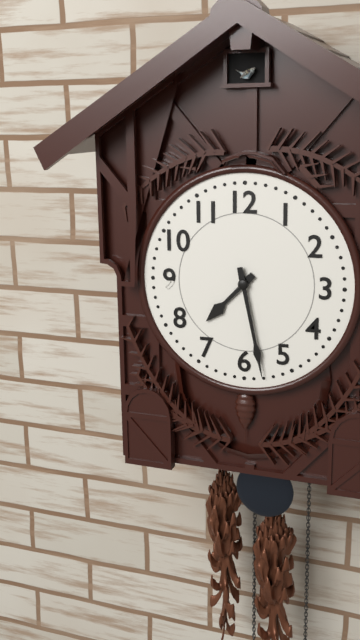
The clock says 7:28
